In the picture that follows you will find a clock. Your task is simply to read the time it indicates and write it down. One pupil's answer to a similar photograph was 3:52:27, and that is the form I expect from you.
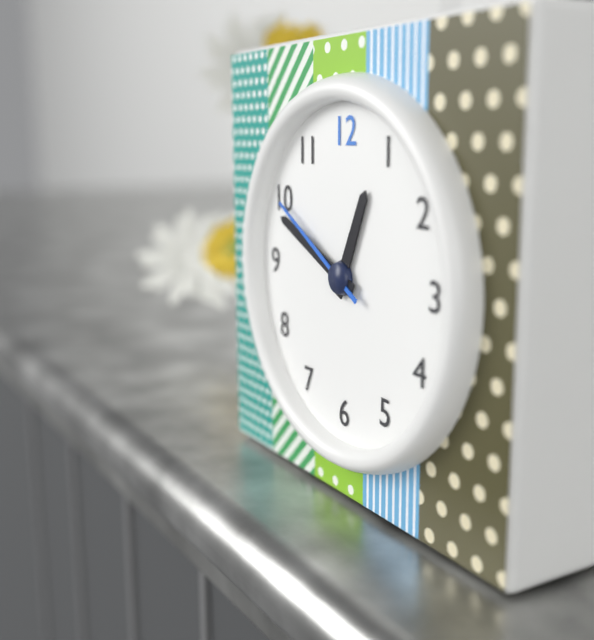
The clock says 12:49:50
